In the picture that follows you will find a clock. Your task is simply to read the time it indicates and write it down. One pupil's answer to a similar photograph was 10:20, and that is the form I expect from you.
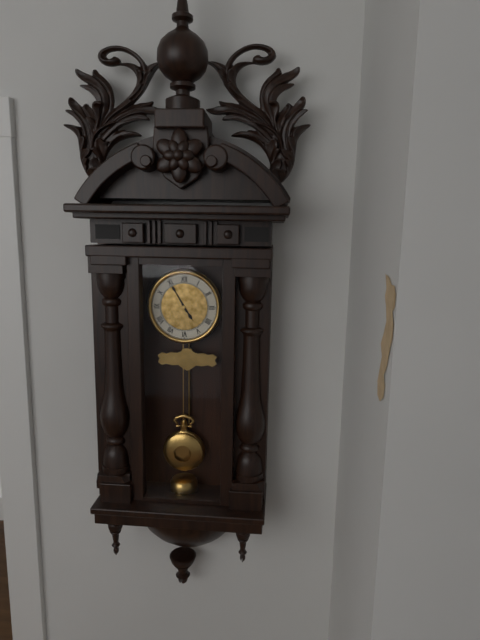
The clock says 4:55
